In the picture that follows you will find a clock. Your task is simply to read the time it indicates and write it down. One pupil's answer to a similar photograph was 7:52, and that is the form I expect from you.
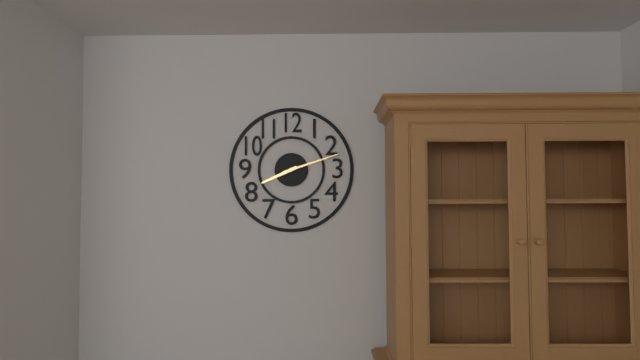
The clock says 8:12
